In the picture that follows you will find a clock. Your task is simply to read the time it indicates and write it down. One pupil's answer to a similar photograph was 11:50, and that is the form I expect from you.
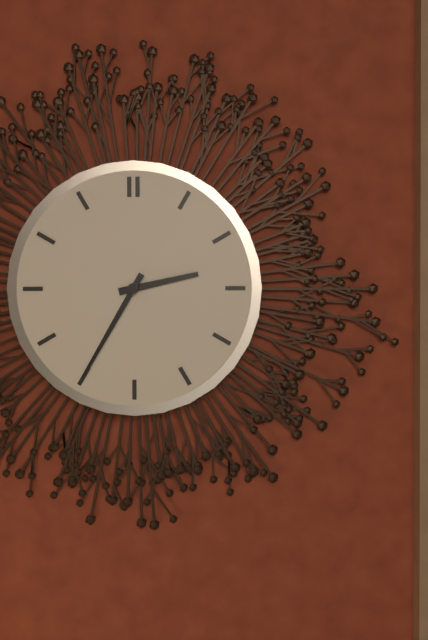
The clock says 2:35
